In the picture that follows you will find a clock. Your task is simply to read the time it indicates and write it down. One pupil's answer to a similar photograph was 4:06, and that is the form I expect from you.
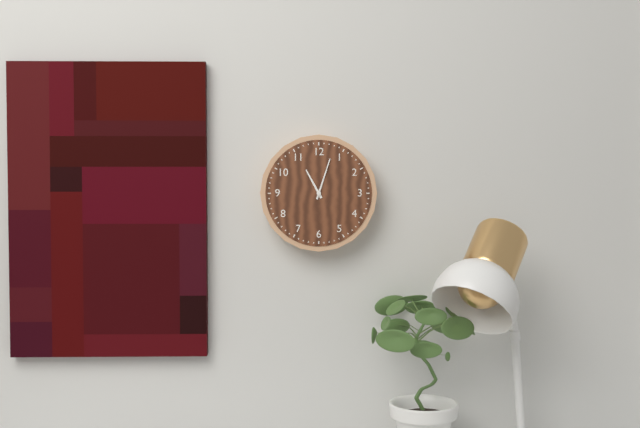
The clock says 11:03
